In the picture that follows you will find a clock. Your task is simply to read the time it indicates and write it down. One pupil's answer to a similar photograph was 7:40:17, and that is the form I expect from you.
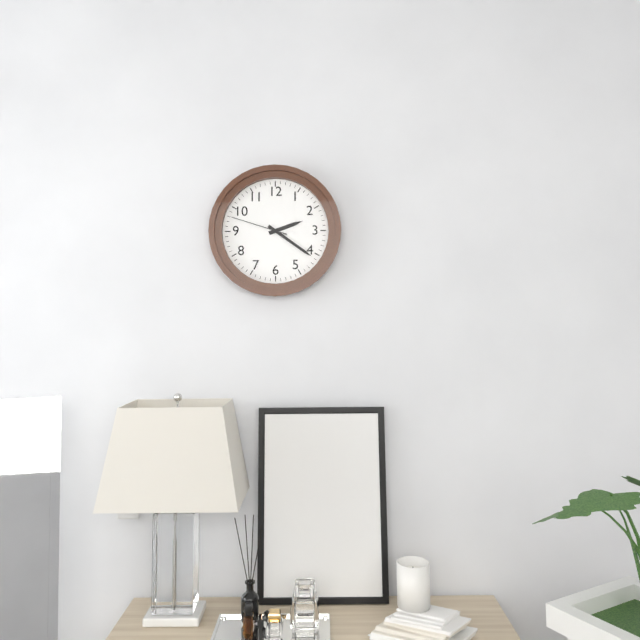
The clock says 2:21:48
